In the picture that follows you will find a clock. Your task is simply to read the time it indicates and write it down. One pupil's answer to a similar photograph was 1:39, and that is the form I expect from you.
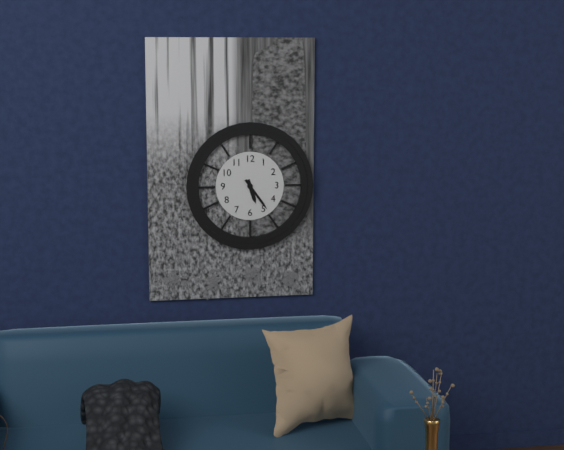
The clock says 5:24
